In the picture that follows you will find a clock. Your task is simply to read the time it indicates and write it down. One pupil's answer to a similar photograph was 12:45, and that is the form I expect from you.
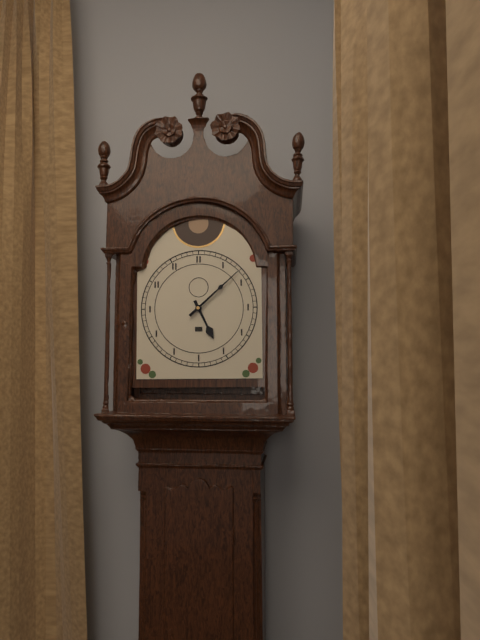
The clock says 5:08
